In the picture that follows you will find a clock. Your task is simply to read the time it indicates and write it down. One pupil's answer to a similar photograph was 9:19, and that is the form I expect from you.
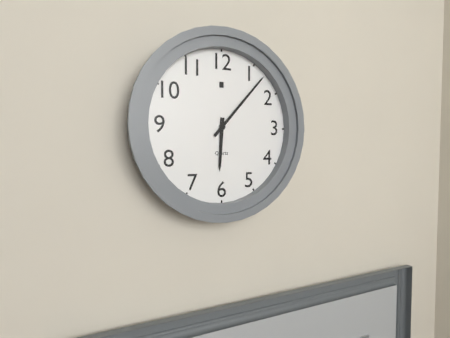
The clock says 6:07
